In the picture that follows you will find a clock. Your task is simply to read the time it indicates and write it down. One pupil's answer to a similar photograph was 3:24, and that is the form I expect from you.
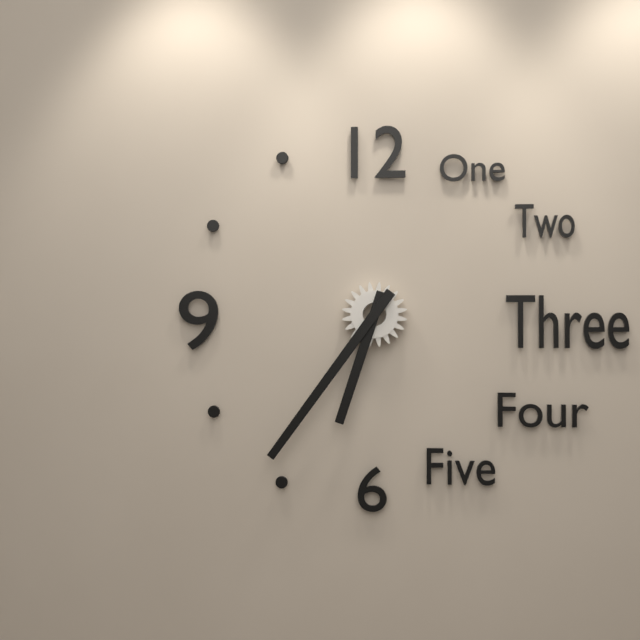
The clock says 6:36
